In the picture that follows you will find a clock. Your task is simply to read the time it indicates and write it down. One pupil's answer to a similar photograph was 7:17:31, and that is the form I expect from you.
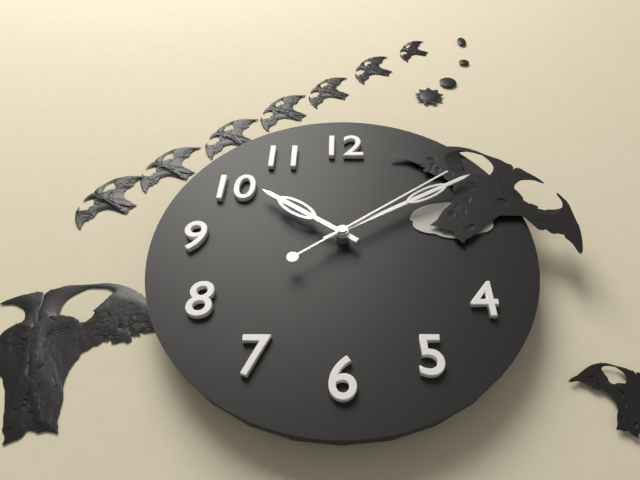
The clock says 10:10:09
